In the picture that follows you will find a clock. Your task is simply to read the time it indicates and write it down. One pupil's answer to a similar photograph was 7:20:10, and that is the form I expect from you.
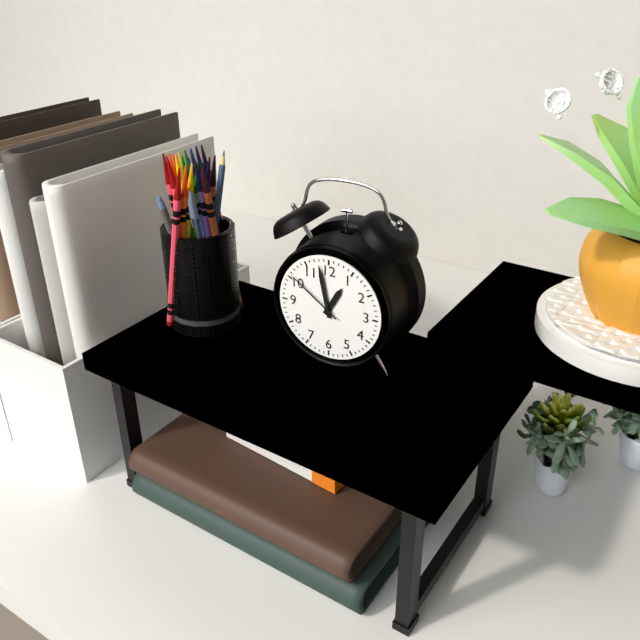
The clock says 12:58:51
